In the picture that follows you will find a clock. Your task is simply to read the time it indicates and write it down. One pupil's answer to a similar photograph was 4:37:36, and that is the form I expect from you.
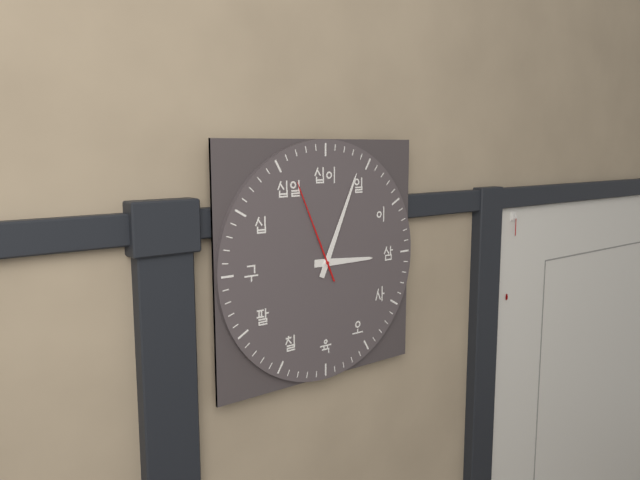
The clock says 3:04:56
